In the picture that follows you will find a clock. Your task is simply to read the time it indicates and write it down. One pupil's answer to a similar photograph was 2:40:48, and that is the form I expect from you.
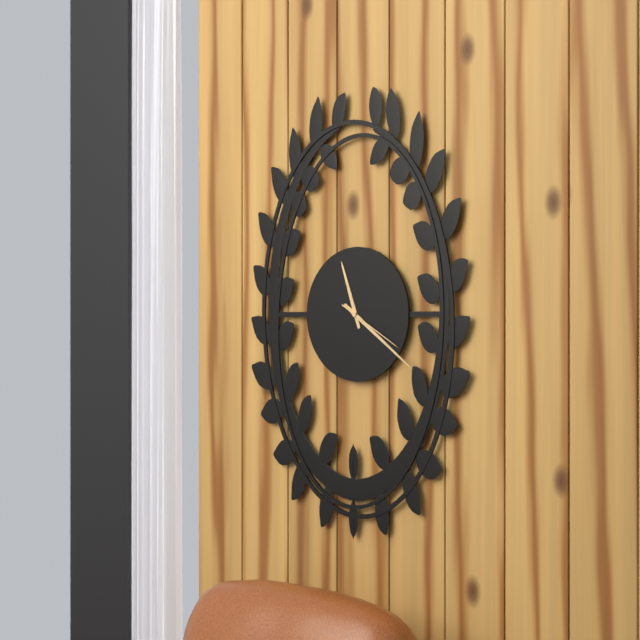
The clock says 11:21:20
